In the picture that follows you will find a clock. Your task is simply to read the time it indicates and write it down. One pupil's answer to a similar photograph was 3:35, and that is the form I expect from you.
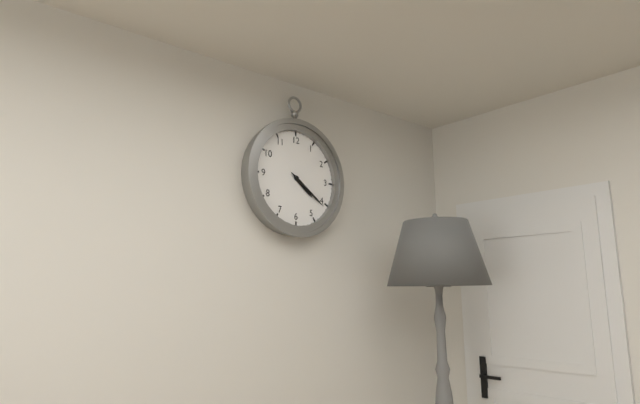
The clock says 4:21
